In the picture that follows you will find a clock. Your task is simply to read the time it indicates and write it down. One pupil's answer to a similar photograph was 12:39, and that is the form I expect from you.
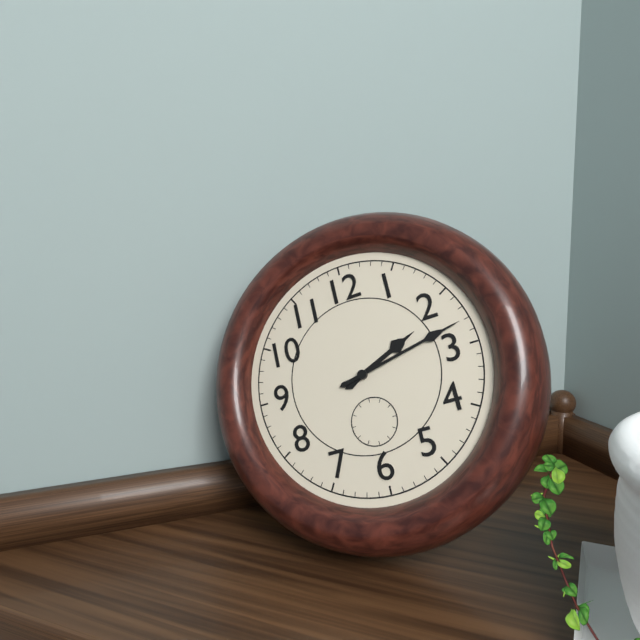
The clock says 2:13
